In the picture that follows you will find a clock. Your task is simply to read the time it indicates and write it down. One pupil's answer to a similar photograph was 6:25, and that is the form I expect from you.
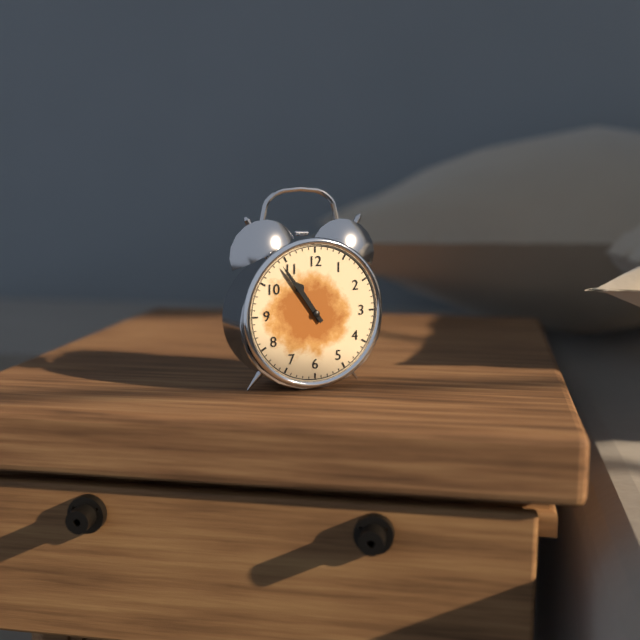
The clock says 10:54
